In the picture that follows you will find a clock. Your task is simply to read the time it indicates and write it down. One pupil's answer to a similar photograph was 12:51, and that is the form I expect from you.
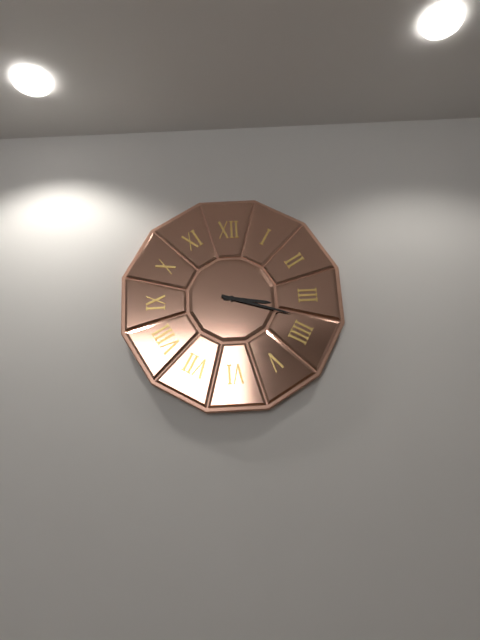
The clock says 3:18
